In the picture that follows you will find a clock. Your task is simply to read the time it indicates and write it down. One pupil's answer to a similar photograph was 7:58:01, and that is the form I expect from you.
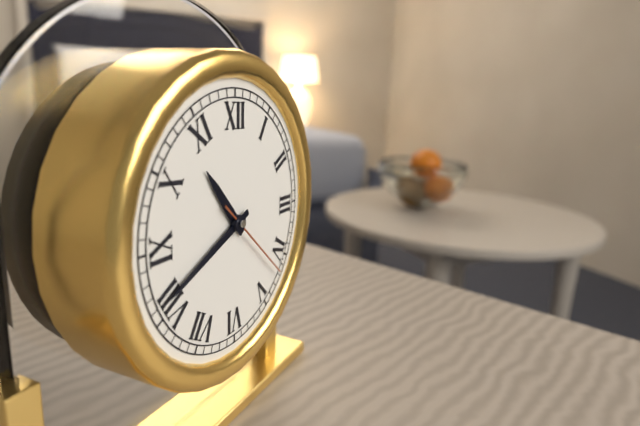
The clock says 10:41:22
